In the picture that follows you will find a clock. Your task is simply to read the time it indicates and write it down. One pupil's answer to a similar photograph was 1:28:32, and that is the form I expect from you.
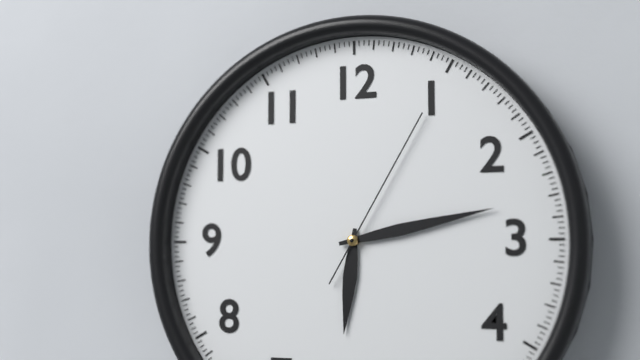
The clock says 6:13:05
